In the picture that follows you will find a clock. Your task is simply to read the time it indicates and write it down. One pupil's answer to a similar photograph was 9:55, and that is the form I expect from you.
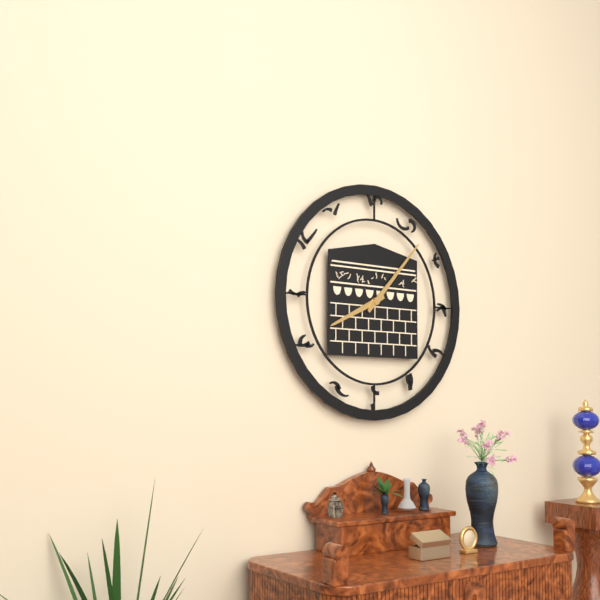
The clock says 8:07
